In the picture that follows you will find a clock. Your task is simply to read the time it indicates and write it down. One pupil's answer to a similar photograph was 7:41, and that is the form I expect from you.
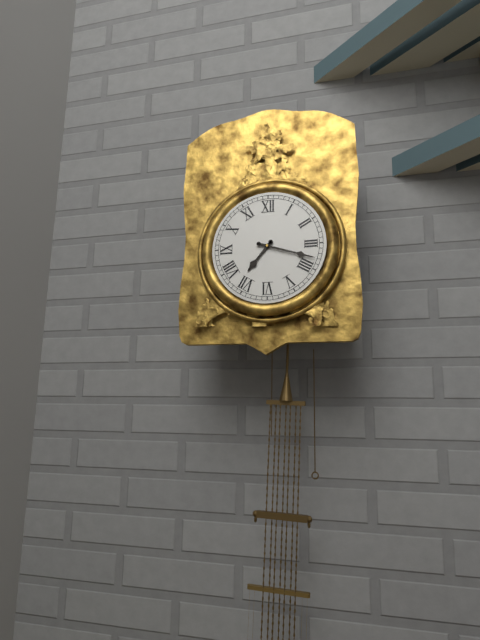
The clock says 7:18
